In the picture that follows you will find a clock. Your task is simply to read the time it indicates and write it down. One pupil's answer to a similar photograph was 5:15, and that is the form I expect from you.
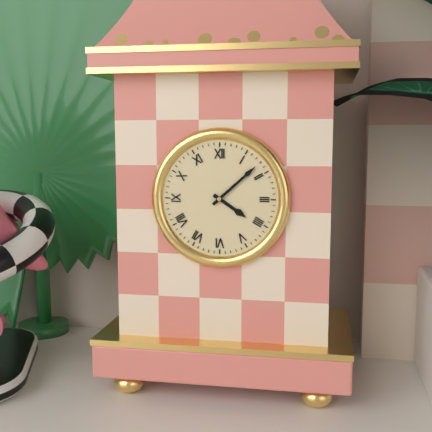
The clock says 4:08
